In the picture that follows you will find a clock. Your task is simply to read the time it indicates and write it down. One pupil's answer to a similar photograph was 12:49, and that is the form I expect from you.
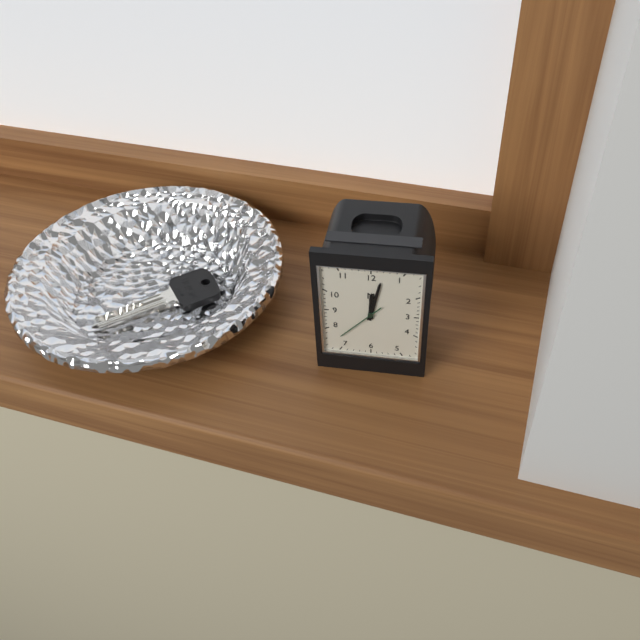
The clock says 12:02
